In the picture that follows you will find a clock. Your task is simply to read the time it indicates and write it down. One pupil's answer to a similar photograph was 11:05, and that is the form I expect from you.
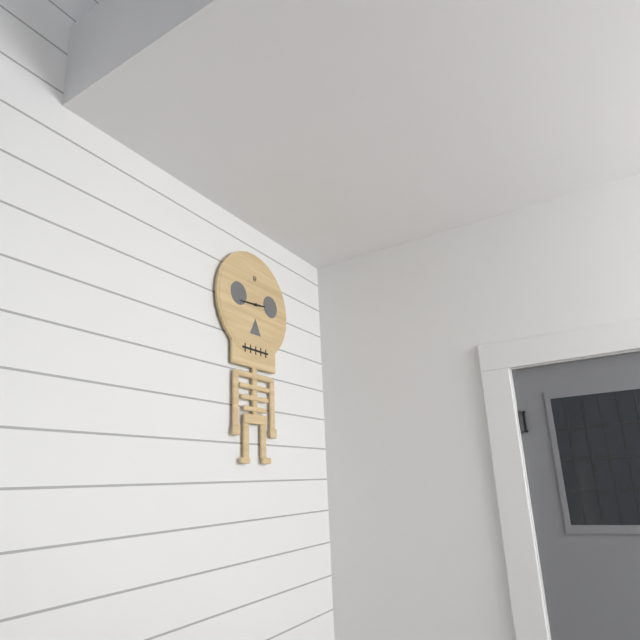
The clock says 2:44
